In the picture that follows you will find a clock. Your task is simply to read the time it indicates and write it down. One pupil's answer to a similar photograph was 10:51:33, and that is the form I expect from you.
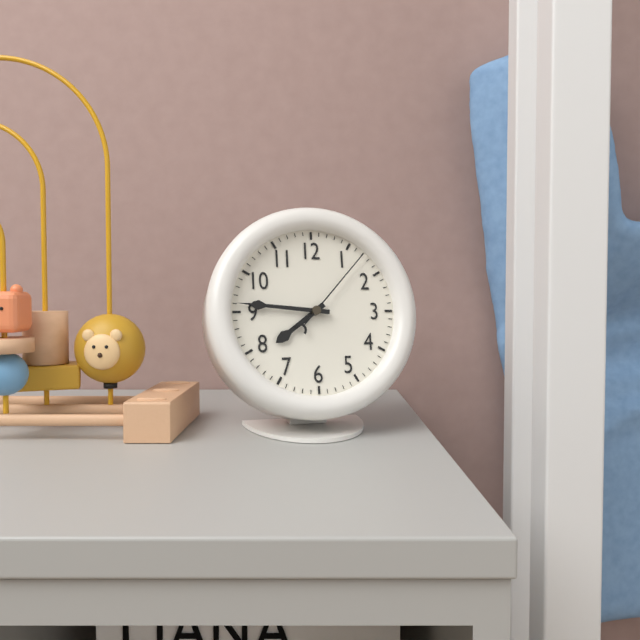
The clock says 7:46:07
